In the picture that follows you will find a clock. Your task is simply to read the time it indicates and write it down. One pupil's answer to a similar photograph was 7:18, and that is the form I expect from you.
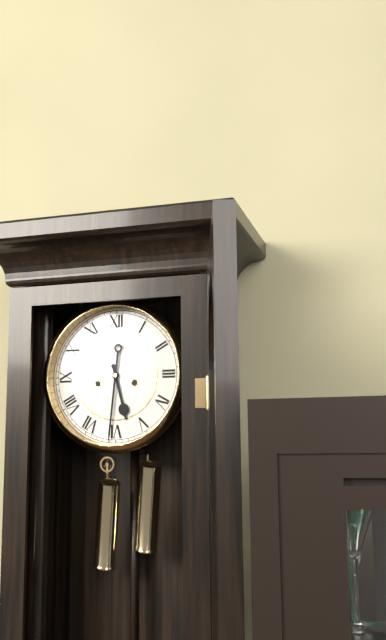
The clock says 5:31
